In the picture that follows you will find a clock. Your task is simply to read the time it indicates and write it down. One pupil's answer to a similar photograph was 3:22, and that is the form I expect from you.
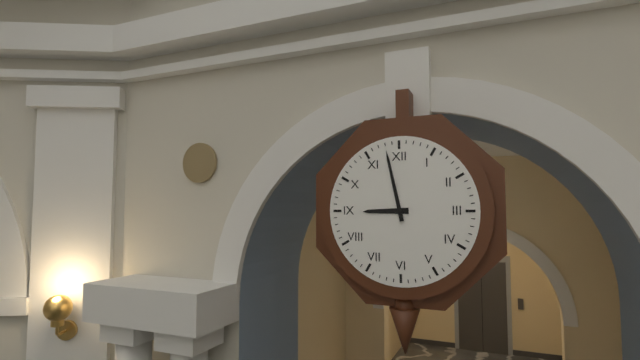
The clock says 8:58
